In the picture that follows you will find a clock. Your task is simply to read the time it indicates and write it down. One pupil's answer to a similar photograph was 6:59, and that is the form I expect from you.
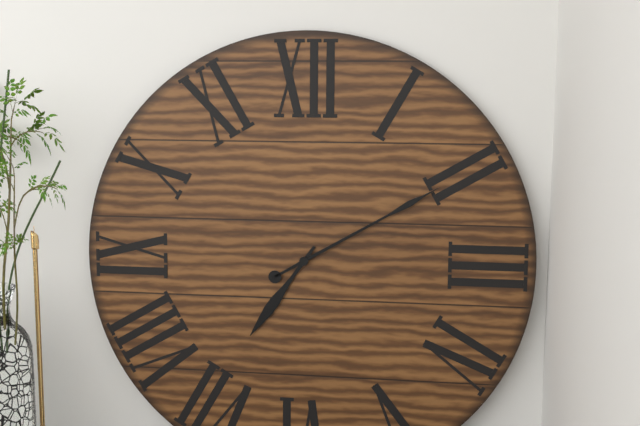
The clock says 7:10
